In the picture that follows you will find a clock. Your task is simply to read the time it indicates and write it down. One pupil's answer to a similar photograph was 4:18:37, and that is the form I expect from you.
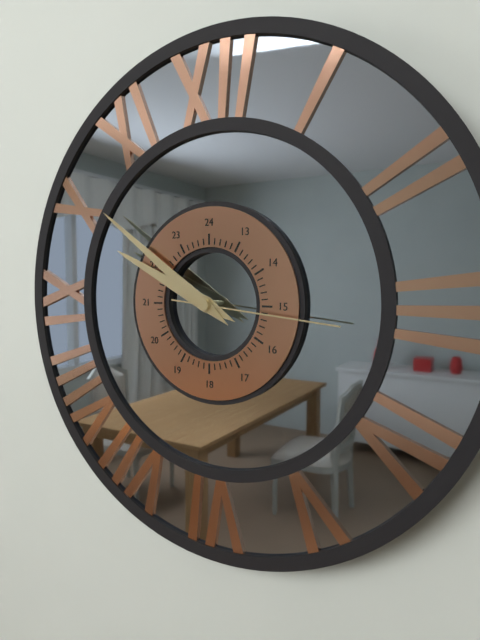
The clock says 9:51:16
